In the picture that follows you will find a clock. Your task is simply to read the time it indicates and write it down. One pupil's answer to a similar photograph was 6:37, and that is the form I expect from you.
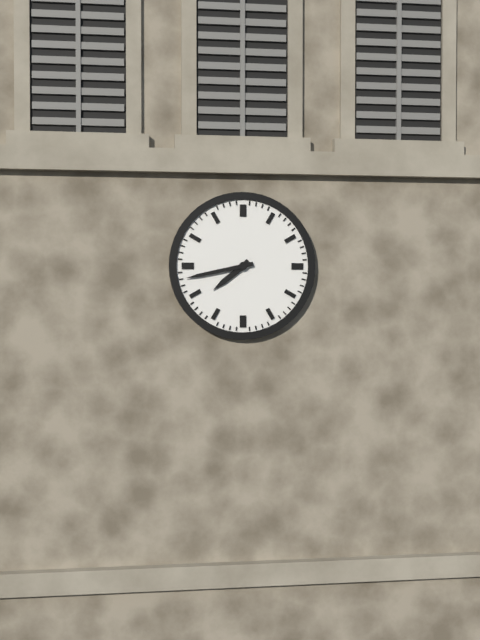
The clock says 7:43
